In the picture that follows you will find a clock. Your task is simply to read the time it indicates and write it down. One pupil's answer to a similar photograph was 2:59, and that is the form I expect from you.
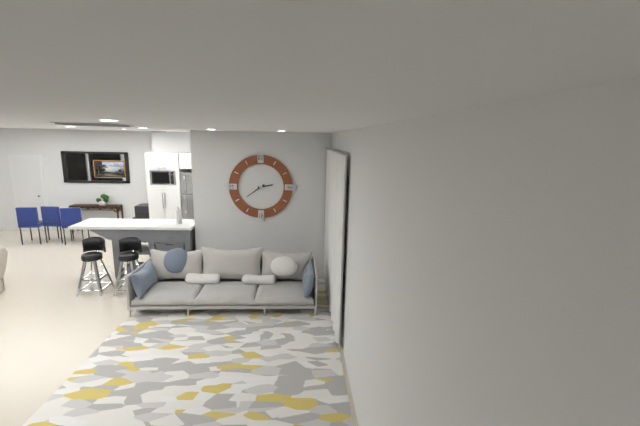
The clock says 2:39
